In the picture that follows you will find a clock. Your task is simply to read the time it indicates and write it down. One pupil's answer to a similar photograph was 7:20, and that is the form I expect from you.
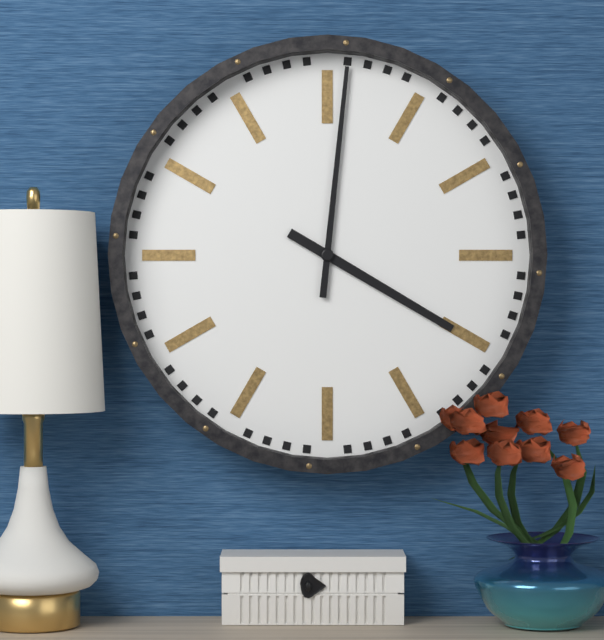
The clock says 4:01
